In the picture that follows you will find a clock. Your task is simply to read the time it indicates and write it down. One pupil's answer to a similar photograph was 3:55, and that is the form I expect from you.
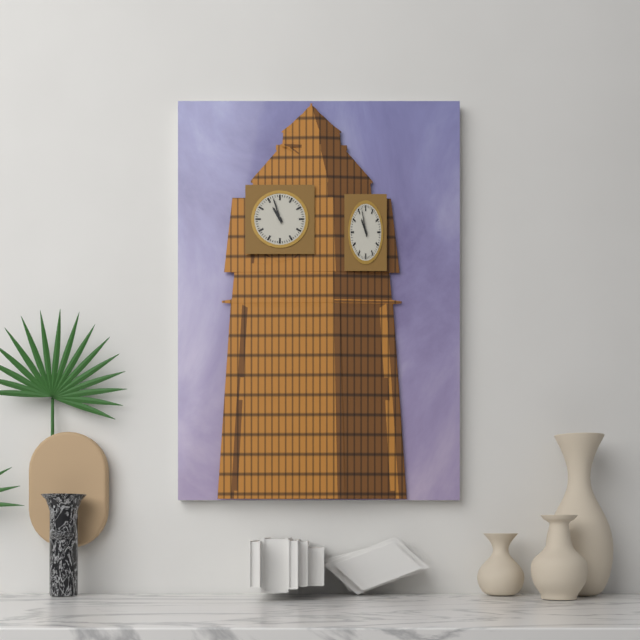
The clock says 10:57
